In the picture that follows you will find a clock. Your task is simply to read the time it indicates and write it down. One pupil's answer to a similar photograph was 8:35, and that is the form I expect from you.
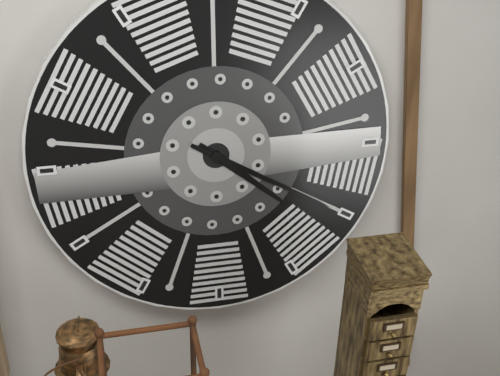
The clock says 4:20
